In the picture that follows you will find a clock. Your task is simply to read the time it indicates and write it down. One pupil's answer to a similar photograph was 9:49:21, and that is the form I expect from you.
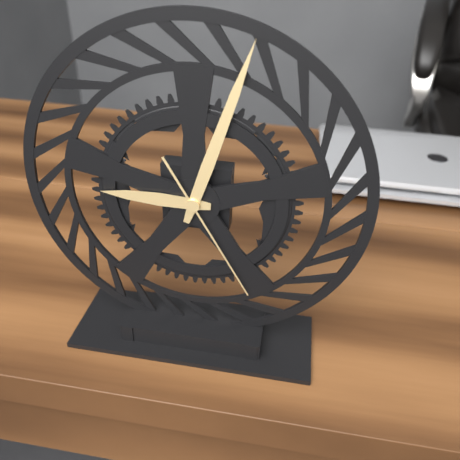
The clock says 9:03:25
